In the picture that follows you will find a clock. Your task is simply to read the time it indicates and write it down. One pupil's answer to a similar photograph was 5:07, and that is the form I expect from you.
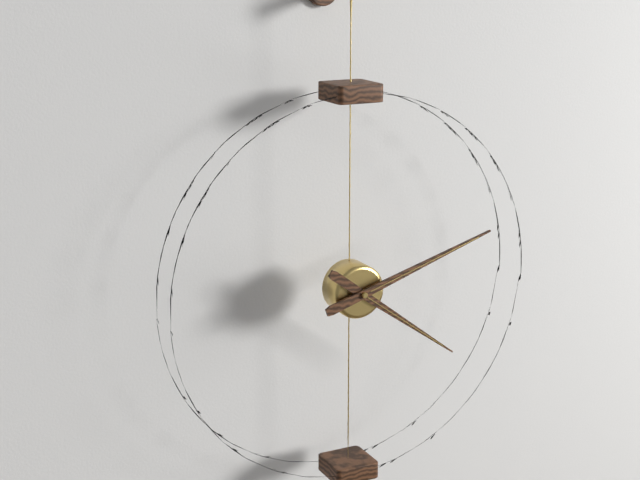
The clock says 4:12
